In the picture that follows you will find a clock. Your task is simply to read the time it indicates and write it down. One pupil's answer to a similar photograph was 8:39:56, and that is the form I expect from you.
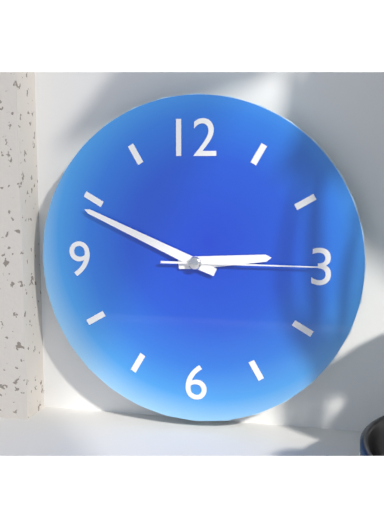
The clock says 2:49:15
